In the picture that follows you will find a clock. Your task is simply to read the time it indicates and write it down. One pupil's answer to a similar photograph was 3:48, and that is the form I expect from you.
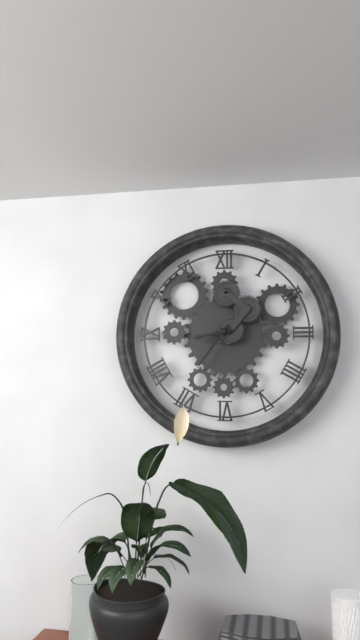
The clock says 8:36
